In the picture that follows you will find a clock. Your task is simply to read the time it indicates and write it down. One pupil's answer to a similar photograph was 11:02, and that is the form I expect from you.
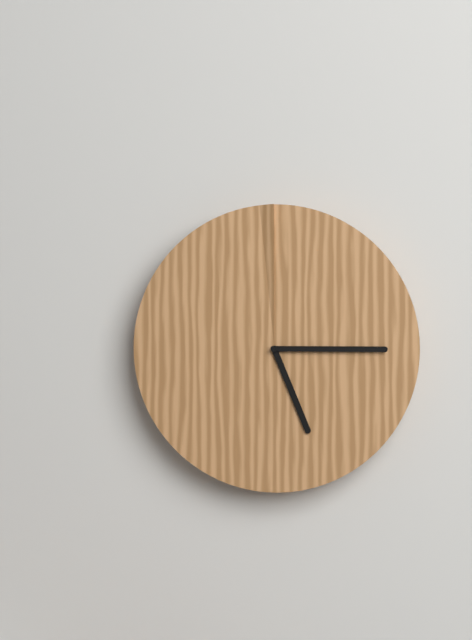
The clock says 5:15
